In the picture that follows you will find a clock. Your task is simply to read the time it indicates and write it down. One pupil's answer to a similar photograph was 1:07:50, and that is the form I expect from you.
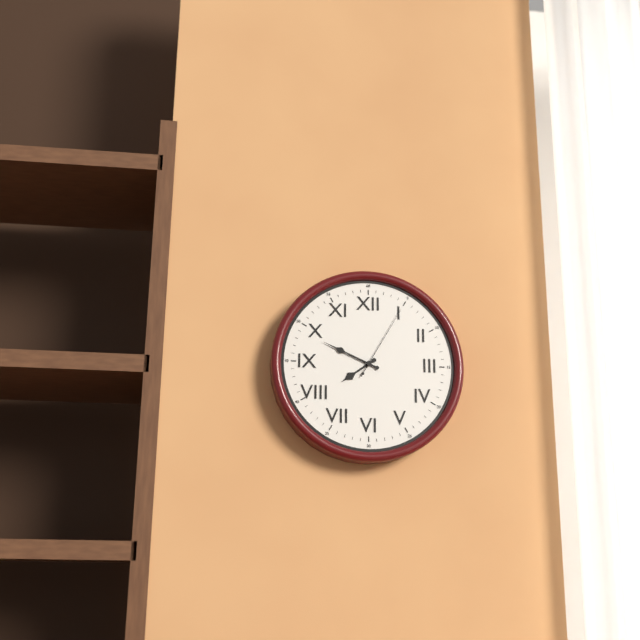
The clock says 7:49:05
